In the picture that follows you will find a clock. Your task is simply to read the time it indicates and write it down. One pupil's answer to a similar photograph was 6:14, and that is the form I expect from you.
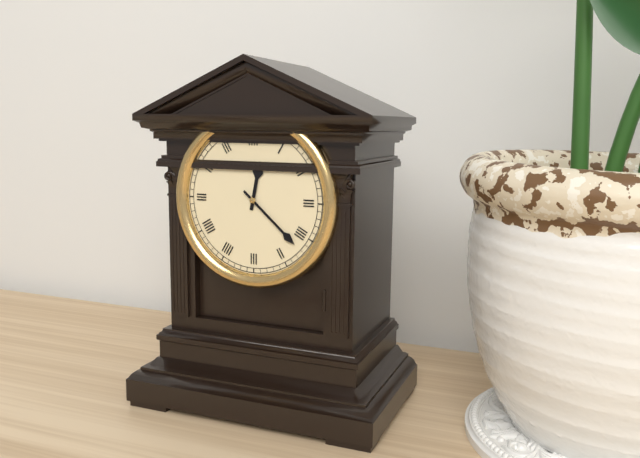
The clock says 12:22
